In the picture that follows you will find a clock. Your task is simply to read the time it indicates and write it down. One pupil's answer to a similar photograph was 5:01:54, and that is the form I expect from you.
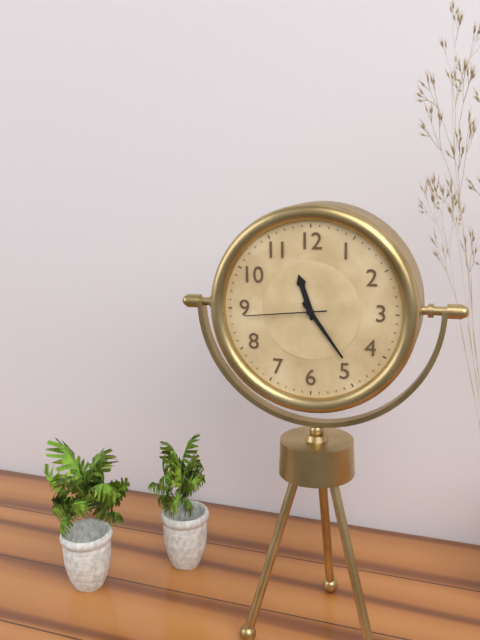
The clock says 11:24:44
